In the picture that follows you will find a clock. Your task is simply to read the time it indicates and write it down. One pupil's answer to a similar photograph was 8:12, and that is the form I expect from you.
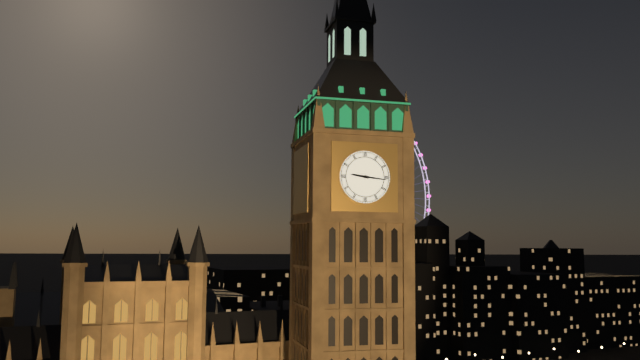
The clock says 9:16
